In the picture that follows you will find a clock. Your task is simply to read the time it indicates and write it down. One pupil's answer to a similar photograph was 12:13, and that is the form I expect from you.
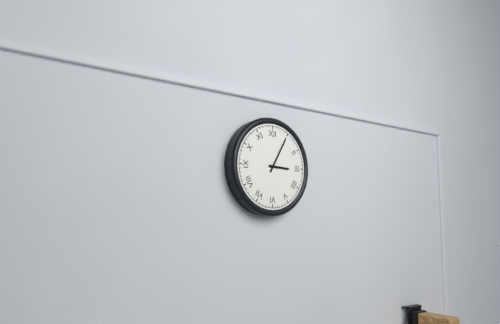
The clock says 3:05
